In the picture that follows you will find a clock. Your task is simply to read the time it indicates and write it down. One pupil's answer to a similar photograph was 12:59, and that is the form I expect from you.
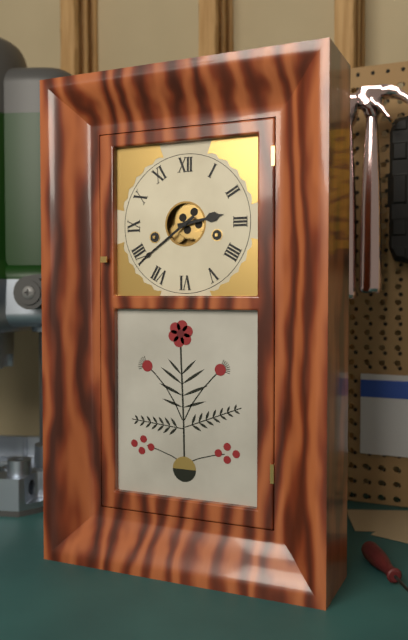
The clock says 2:39
